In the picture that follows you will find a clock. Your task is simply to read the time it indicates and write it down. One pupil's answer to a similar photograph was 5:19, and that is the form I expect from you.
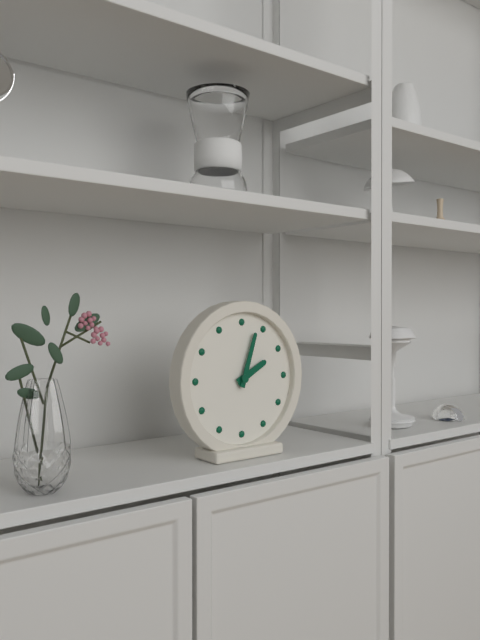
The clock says 2:03
